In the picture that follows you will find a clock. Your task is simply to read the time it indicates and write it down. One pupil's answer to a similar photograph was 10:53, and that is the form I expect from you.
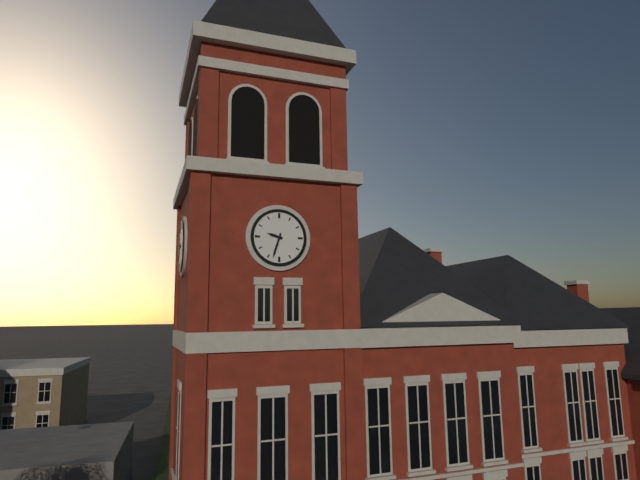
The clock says 9:33
